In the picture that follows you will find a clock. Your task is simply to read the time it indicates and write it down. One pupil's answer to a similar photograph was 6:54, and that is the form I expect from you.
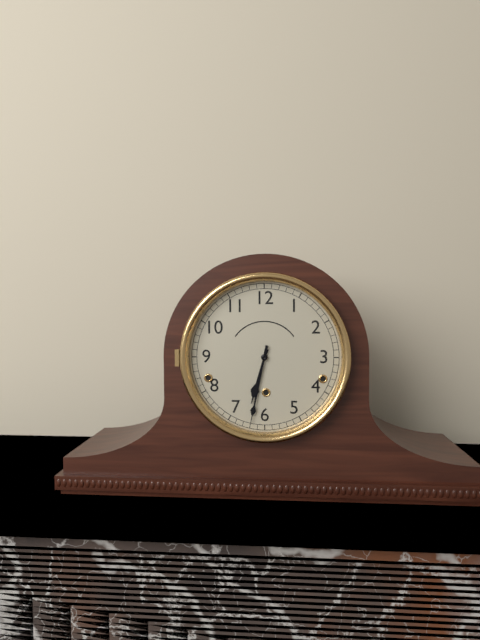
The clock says 6:32
